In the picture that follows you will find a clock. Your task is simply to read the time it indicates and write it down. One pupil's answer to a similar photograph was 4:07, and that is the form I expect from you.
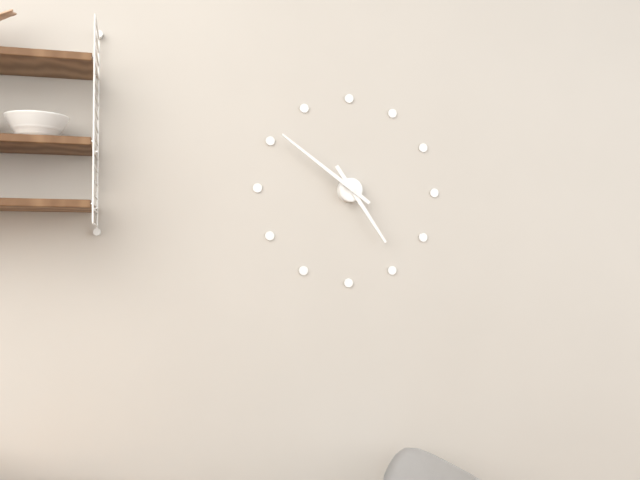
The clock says 4:51
